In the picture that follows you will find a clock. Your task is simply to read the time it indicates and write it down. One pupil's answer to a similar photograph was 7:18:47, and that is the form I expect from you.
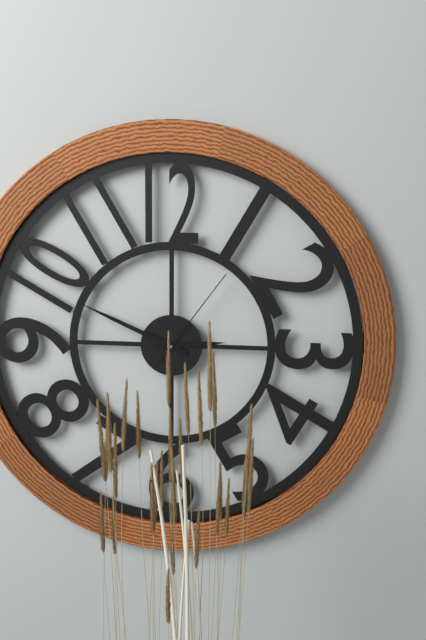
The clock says 2:49:06
